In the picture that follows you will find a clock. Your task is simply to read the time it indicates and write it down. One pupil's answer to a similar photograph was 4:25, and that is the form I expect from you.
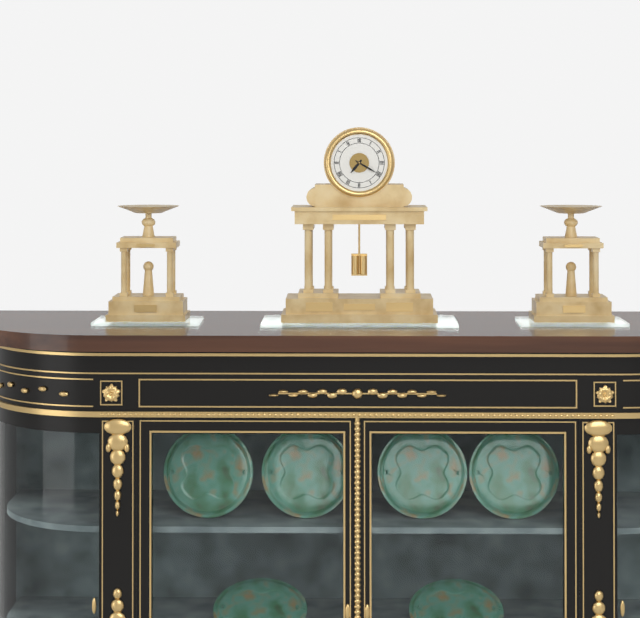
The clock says 7:20
